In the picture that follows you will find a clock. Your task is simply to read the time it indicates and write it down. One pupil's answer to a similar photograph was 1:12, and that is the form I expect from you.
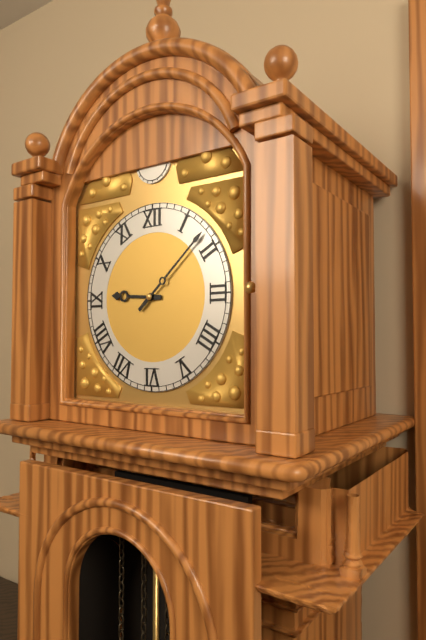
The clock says 9:08
